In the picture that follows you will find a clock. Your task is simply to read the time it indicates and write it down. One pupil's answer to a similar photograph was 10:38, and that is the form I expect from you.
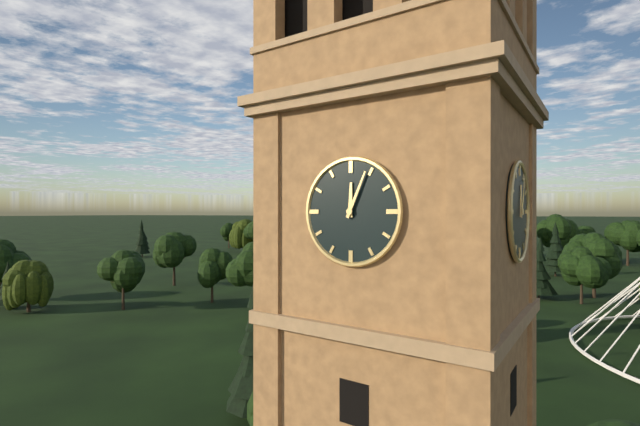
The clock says 12:04
